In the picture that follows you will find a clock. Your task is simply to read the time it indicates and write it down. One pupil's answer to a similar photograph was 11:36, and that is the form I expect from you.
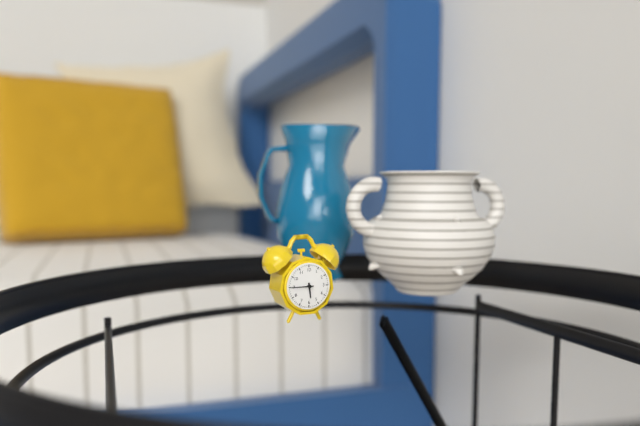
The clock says 5:45
